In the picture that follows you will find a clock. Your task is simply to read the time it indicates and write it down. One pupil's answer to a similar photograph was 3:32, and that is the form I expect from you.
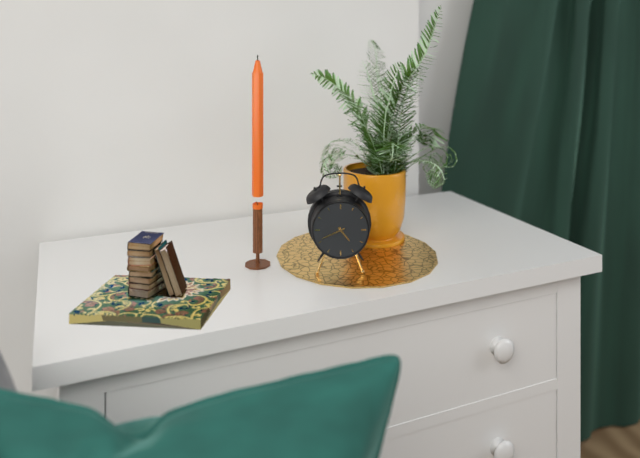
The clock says 4:41
